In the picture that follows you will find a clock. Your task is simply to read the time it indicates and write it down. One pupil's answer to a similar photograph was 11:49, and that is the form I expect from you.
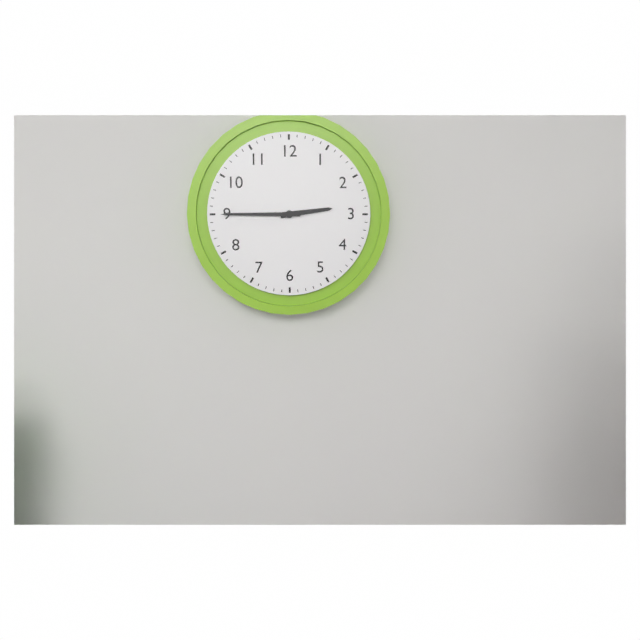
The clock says 2:45
